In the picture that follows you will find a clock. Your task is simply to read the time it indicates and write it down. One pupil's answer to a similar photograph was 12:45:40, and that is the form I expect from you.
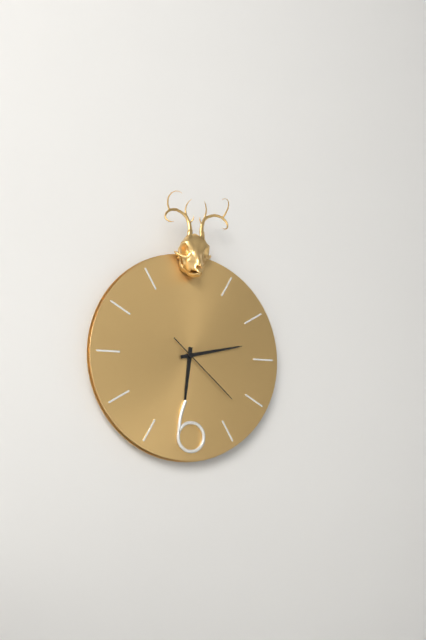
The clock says 6:13:22
